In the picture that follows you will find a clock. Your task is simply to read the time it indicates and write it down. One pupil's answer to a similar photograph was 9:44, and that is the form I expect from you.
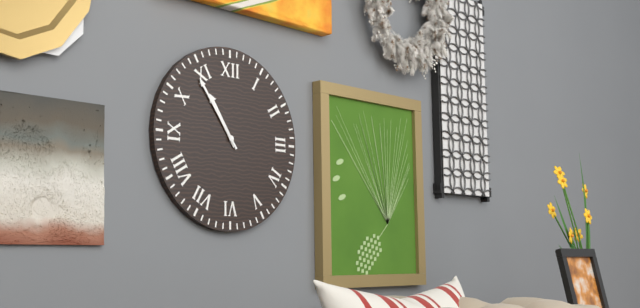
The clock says 10:54
